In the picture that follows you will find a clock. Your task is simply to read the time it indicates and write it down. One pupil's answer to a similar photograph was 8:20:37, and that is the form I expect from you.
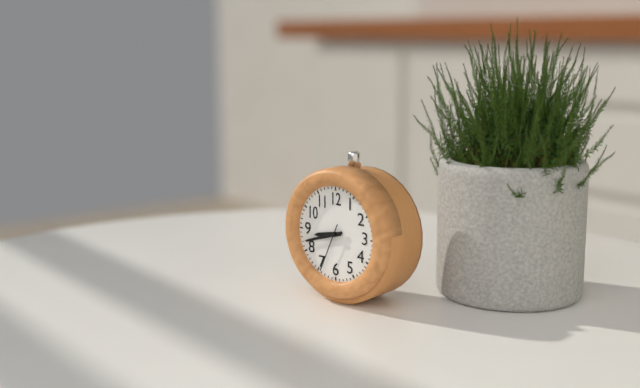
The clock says 8:42:34
